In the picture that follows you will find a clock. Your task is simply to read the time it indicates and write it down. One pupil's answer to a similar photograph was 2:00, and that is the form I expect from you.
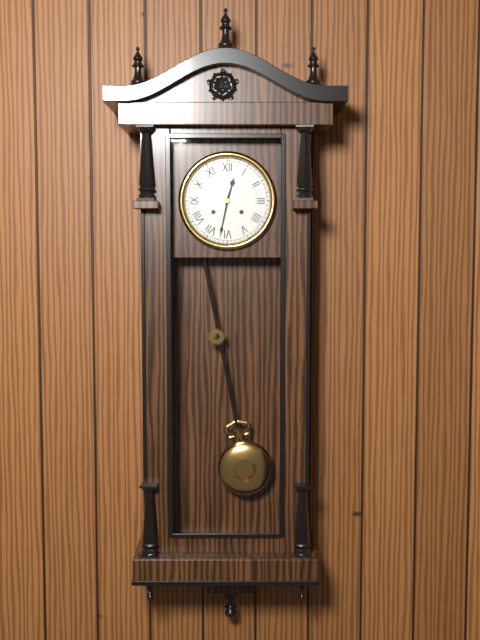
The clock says 12:32
